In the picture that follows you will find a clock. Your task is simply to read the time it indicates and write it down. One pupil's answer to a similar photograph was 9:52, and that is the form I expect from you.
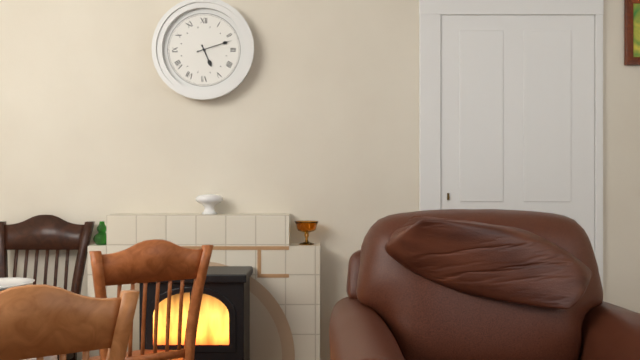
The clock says 5:12
